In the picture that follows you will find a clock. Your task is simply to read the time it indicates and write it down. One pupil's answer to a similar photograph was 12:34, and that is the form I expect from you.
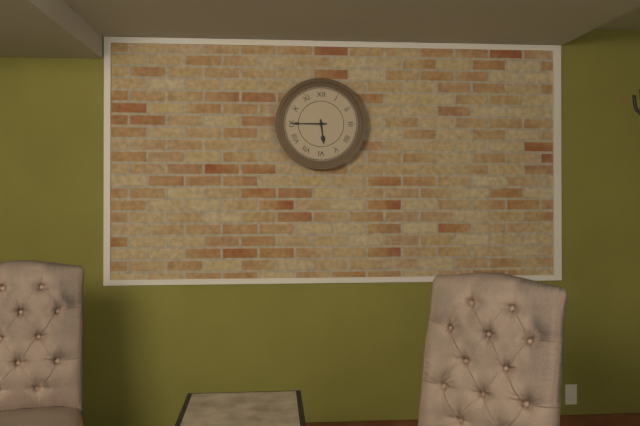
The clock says 5:45
